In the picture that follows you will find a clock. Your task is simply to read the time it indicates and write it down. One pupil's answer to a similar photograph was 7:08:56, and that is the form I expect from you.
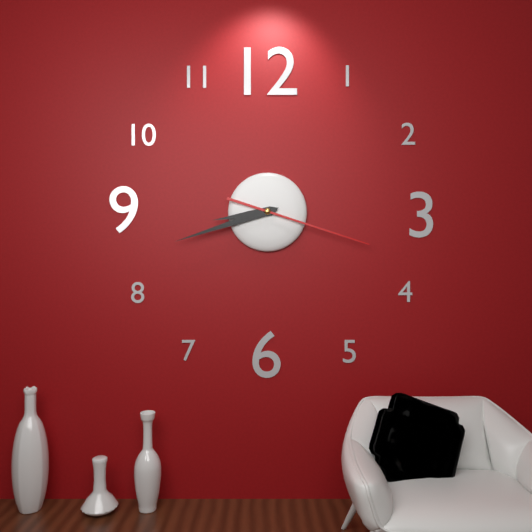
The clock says 8:42:18
